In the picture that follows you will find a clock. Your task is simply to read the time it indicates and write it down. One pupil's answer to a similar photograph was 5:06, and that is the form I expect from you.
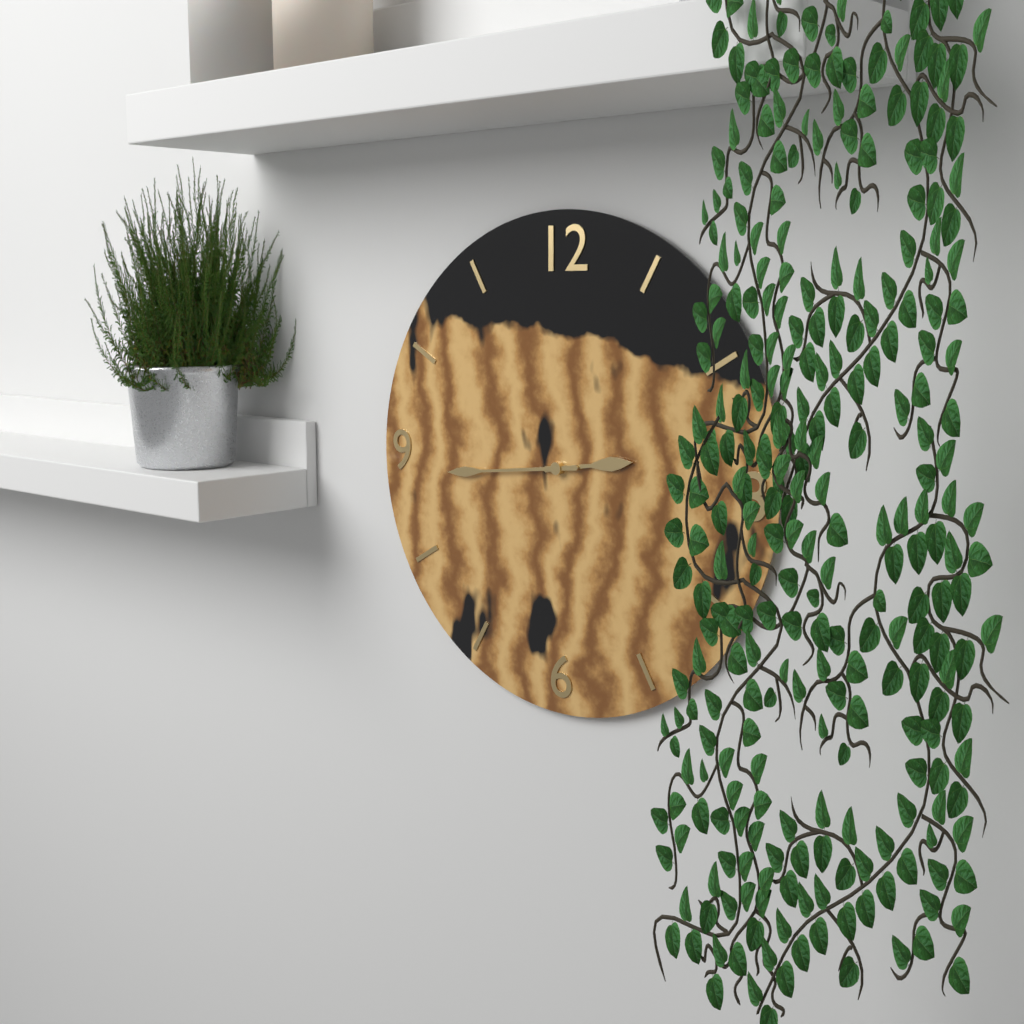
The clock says 2:44
